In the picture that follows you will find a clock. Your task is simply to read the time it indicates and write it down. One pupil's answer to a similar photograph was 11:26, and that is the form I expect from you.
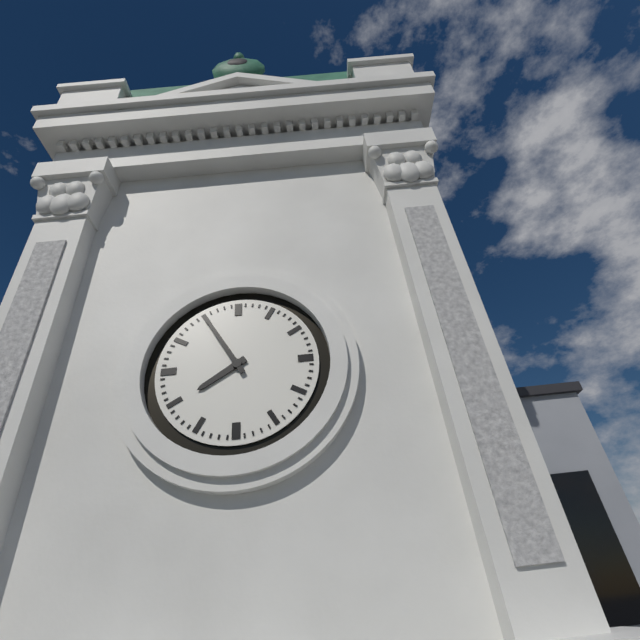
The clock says 7:55
